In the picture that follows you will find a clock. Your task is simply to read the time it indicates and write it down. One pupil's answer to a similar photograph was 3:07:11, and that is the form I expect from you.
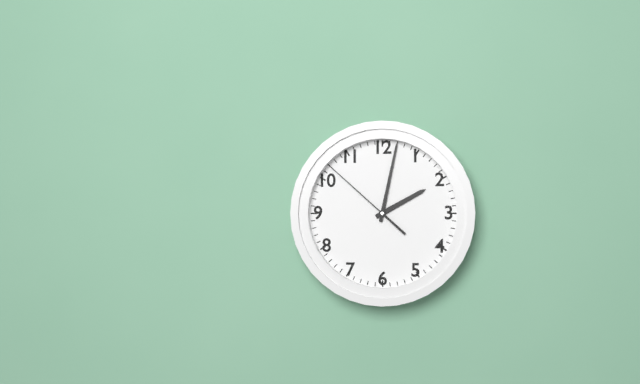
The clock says 2:02:52
